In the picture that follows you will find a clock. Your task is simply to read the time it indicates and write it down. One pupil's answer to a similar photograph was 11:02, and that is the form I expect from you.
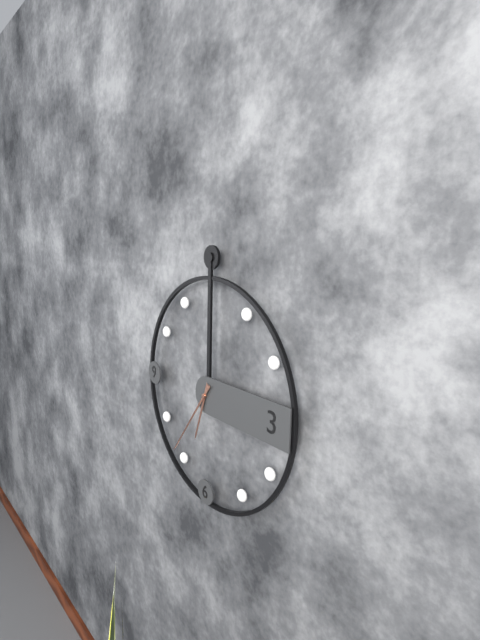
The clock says 6:36
